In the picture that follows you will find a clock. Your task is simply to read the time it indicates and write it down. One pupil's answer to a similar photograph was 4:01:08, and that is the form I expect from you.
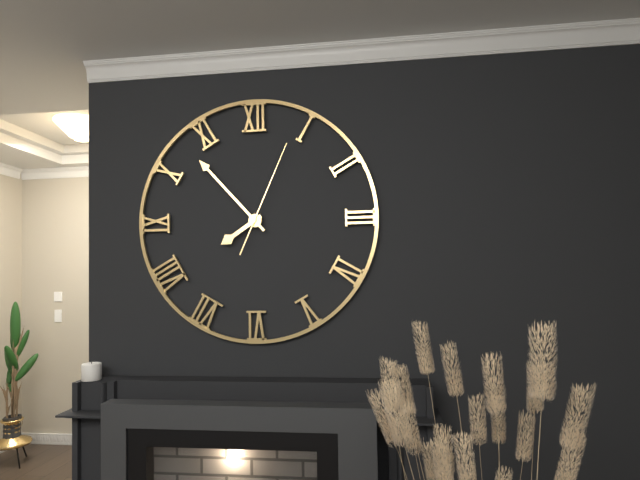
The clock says 7:53:04
